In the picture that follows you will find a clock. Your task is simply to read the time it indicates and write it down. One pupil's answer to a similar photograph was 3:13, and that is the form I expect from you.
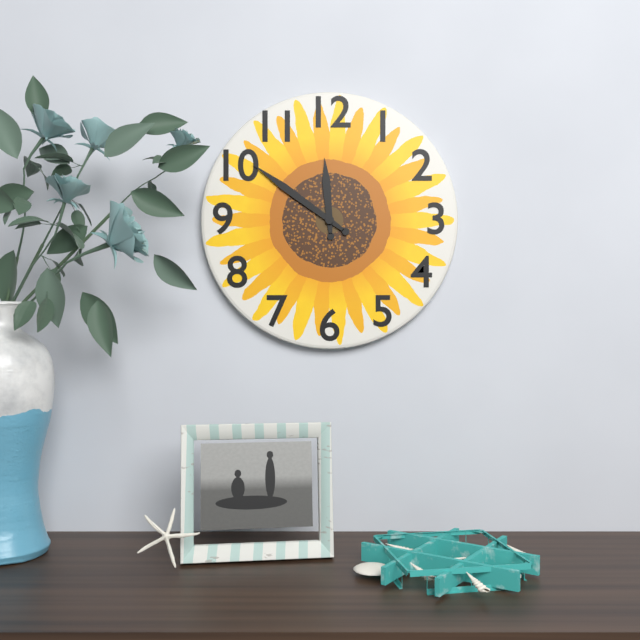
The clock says 11:51
